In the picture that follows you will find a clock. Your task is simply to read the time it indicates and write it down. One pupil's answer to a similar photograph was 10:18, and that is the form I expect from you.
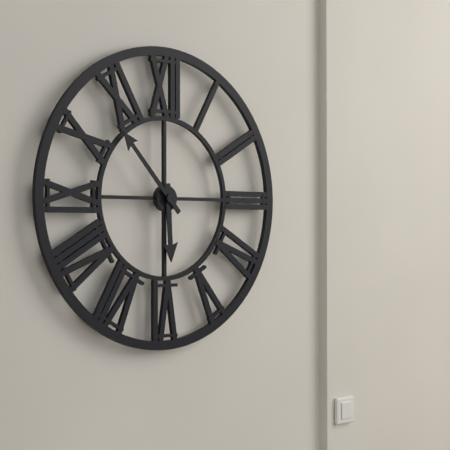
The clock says 5:53
